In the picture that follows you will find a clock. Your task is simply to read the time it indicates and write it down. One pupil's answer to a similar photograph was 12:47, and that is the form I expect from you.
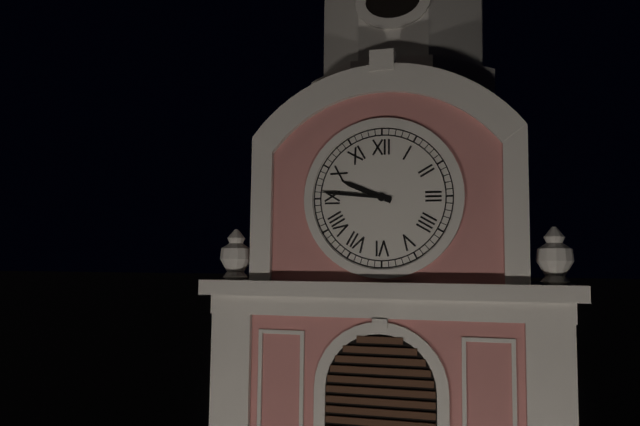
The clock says 9:46
